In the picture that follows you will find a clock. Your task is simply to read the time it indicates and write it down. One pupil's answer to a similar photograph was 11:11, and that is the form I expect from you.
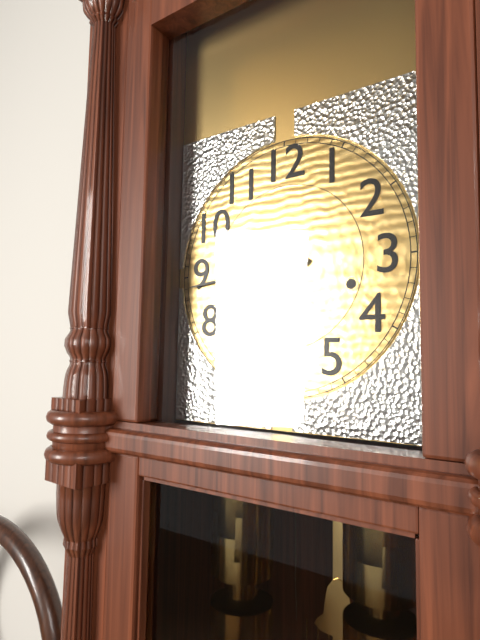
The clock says 6:44
